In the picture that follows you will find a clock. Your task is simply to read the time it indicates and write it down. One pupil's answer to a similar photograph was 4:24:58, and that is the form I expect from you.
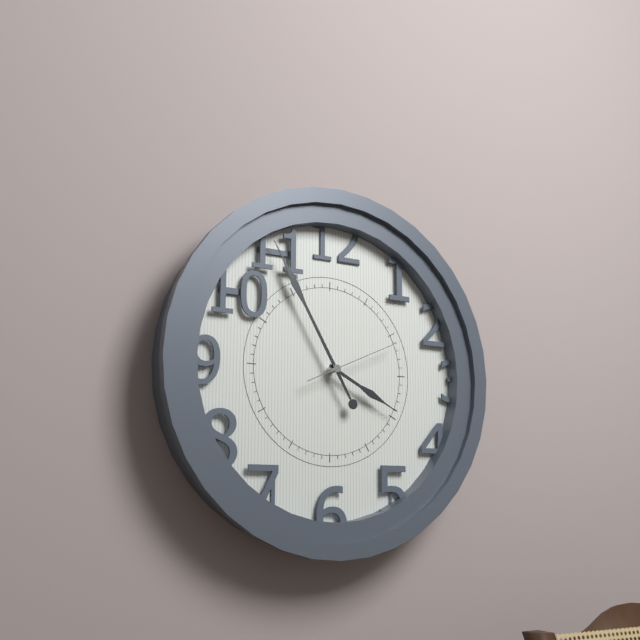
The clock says 3:55:11
